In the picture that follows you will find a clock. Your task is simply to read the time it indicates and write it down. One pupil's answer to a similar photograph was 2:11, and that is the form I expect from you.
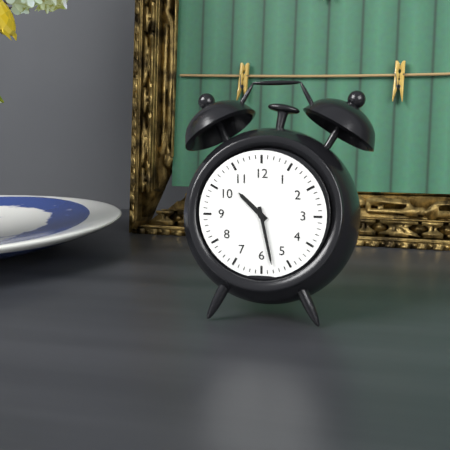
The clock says 10:28
